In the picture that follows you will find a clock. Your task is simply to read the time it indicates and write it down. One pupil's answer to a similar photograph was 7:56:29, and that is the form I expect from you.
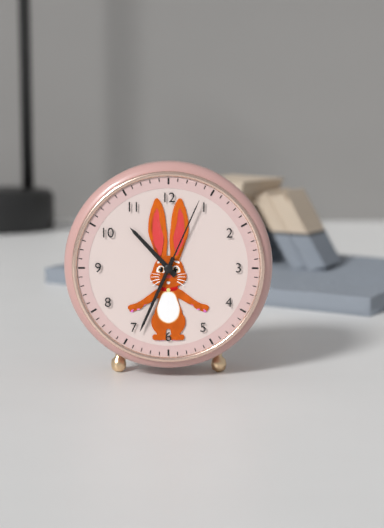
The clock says 10:34:04
